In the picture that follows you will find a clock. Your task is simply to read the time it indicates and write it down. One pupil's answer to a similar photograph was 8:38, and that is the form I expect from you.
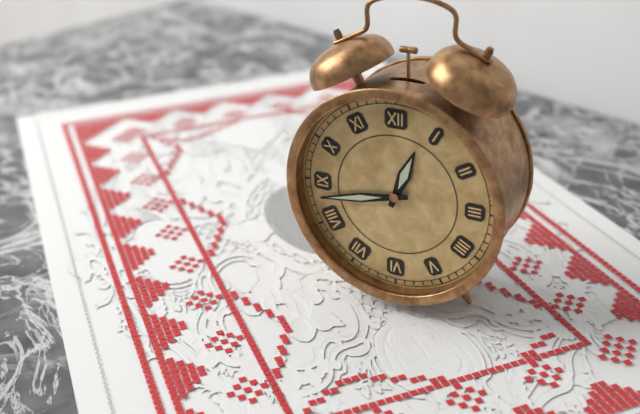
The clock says 12:43
